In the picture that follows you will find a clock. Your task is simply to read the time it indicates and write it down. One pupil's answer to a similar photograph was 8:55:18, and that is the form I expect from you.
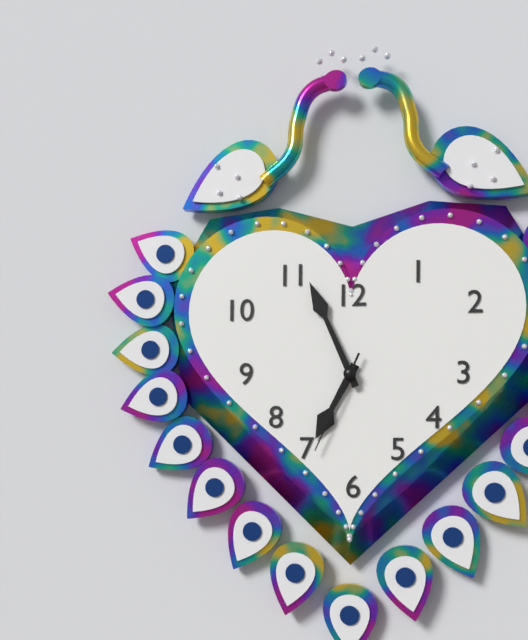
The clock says 6:56:34
